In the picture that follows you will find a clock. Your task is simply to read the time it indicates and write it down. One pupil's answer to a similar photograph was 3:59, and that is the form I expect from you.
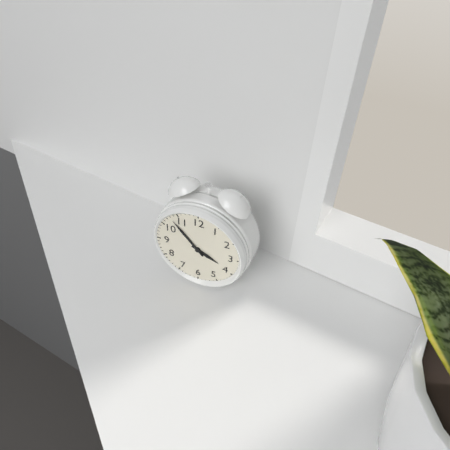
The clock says 3:53
